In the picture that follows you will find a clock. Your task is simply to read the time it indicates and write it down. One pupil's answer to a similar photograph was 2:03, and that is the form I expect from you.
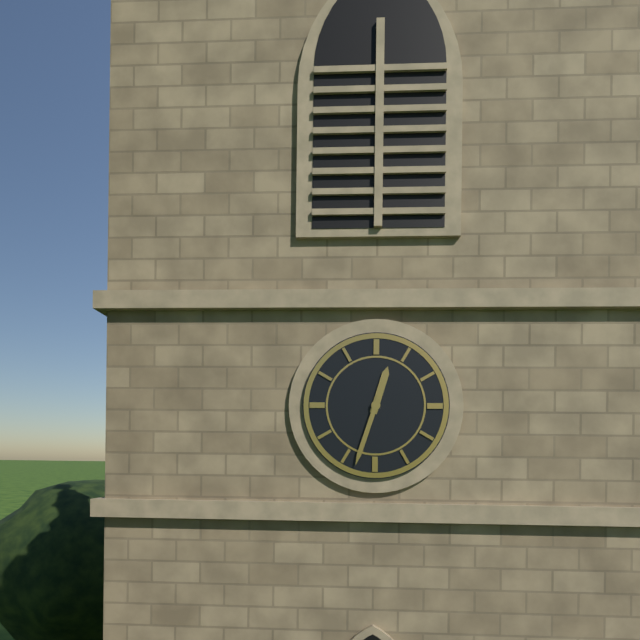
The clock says 12:33
